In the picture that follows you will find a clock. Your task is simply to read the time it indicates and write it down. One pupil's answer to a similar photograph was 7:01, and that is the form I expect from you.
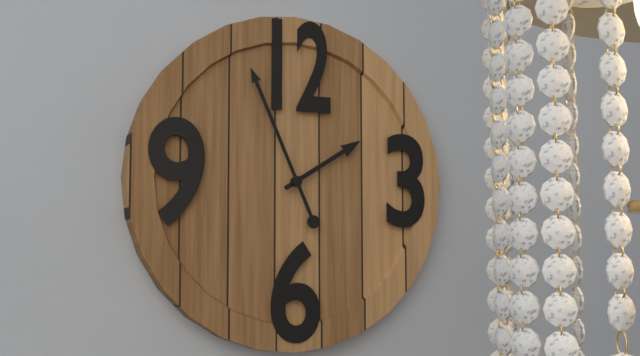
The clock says 1:56
